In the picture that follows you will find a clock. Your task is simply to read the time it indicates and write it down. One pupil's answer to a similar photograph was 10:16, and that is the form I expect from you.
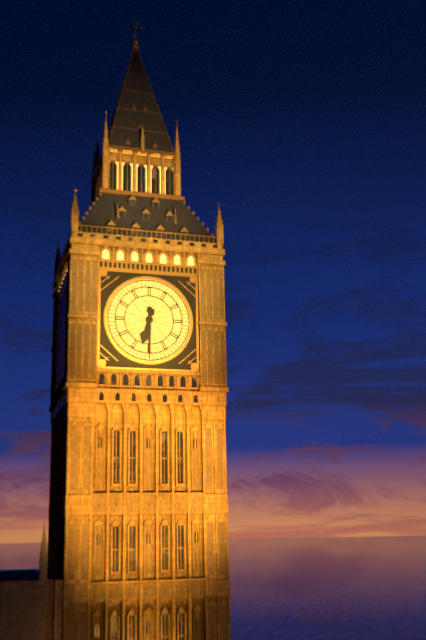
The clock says 6:30
